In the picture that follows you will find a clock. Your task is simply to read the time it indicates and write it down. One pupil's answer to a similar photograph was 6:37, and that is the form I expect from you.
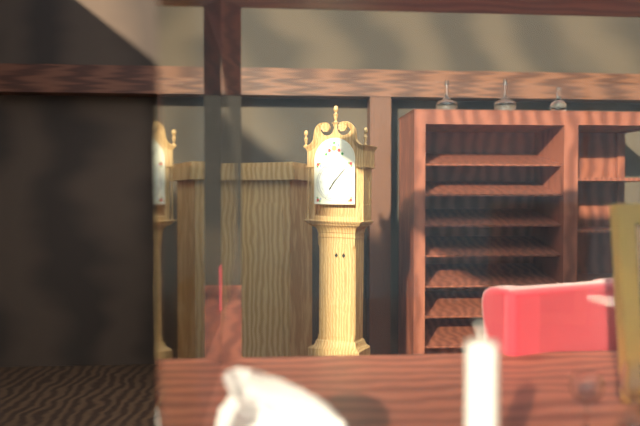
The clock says 7:07
